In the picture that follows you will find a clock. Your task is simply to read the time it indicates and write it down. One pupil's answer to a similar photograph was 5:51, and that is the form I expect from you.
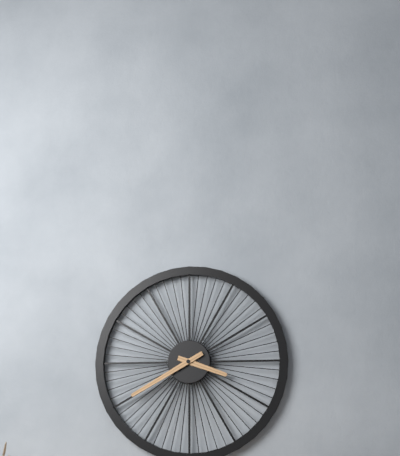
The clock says 3:40
